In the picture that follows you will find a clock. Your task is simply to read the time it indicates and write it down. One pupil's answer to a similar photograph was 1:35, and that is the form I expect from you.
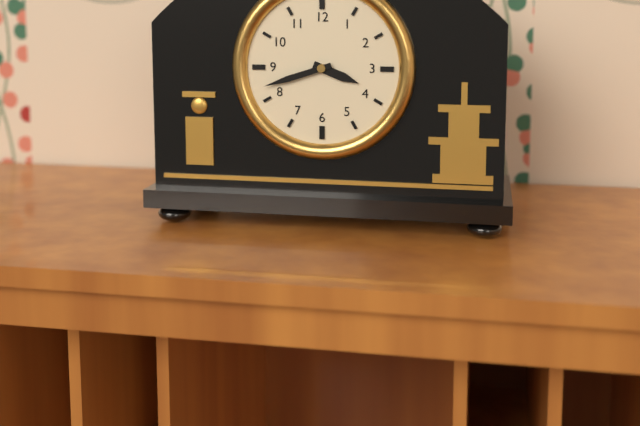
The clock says 3:42
